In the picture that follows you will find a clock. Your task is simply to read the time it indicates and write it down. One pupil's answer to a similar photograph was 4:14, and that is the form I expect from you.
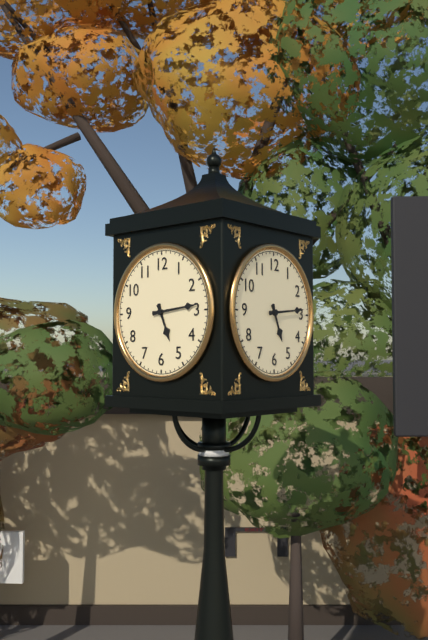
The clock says 5:14
